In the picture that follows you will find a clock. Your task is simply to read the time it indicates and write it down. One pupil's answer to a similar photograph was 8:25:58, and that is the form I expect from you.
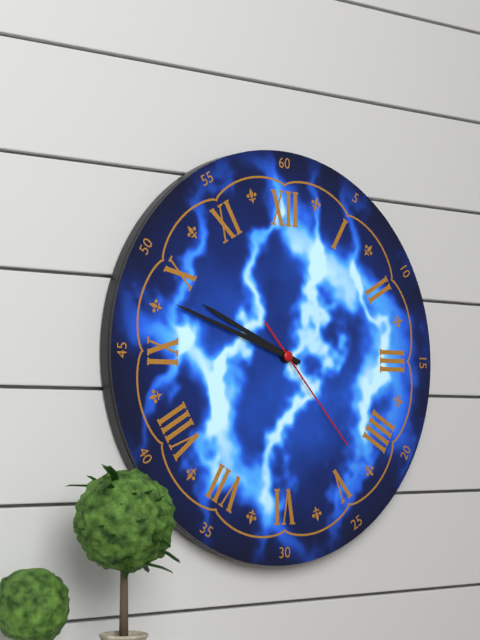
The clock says 9:48:23
